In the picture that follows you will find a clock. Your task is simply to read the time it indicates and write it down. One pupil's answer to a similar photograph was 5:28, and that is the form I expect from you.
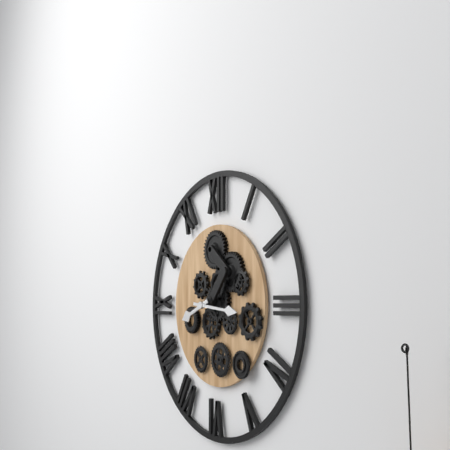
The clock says 8:16
